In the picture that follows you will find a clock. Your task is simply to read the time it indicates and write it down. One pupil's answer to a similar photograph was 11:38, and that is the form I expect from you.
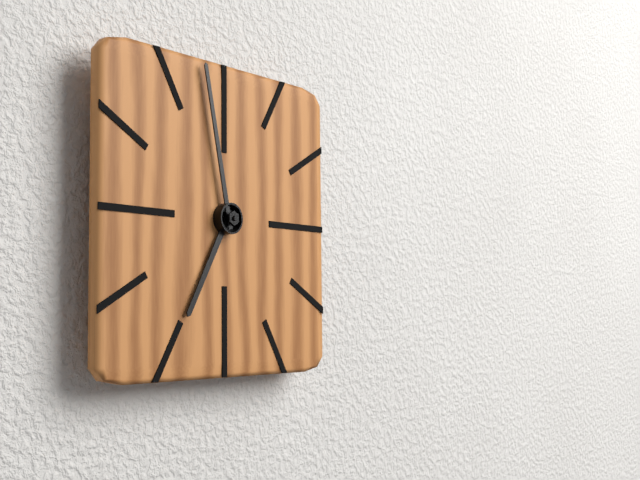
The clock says 6:58
